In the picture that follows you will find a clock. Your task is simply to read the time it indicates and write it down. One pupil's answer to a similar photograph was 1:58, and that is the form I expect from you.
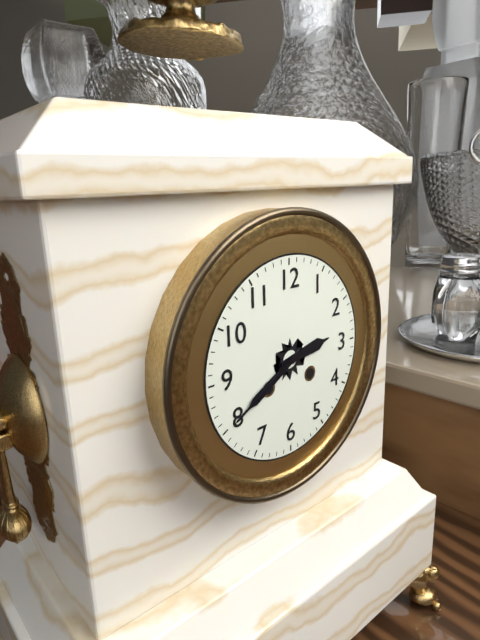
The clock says 2:40
